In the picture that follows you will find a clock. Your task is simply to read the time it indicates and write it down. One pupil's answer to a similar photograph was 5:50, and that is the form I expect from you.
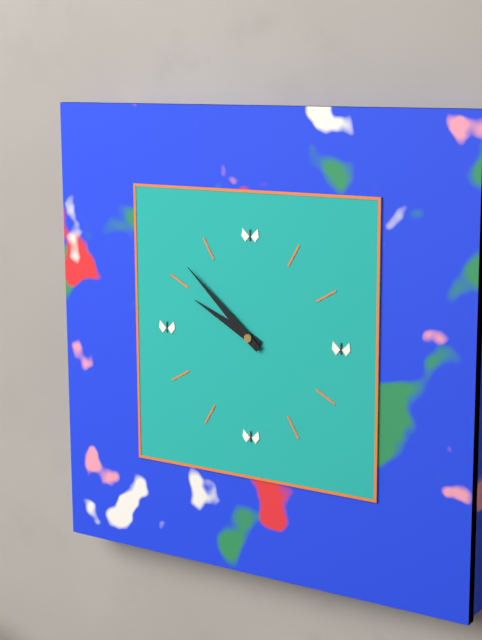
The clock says 9:52
